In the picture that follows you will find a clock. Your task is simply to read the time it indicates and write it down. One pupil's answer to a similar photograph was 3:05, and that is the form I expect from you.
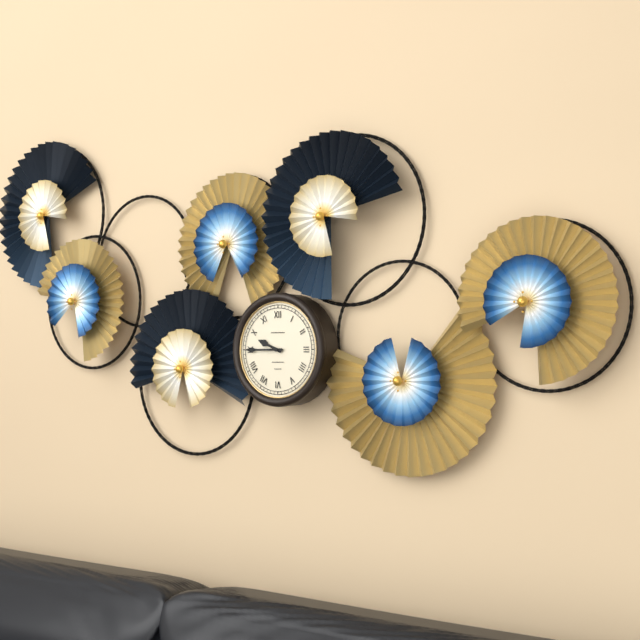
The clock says 9:45
